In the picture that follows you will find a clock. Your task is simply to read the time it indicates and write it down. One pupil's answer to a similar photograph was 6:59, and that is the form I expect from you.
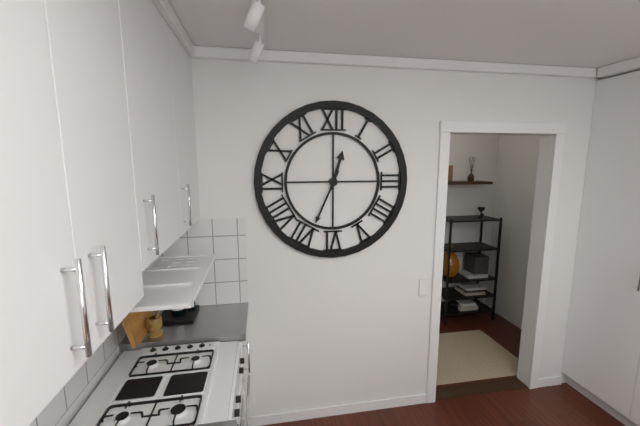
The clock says 12:34
